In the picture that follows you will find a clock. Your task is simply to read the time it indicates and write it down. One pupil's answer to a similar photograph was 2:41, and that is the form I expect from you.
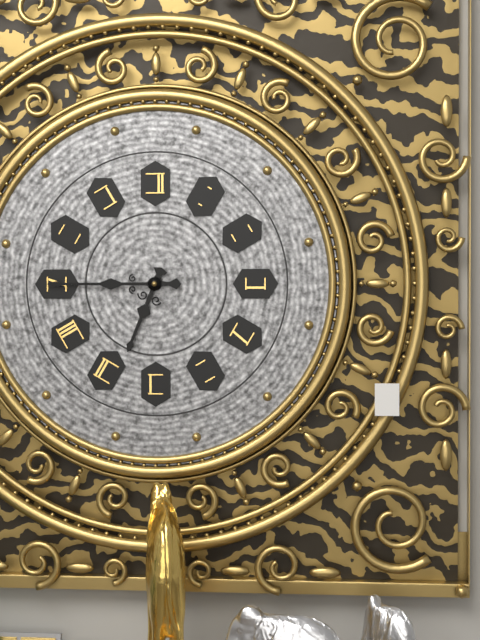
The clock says 6:45
